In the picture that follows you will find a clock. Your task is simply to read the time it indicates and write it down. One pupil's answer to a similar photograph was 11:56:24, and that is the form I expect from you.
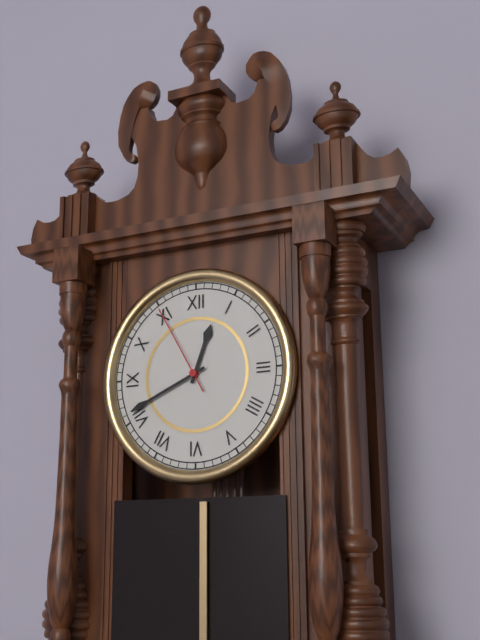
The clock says 12:41:55
